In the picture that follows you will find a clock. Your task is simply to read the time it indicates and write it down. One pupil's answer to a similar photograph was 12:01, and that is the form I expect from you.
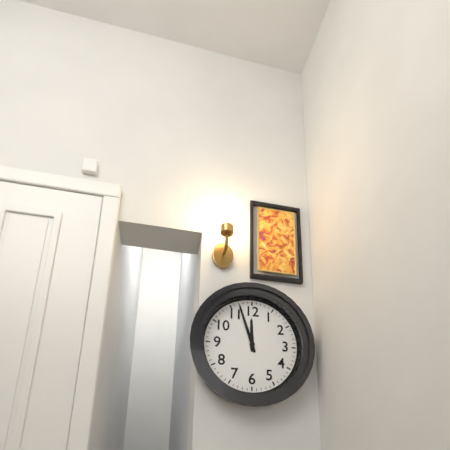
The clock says 11:57
